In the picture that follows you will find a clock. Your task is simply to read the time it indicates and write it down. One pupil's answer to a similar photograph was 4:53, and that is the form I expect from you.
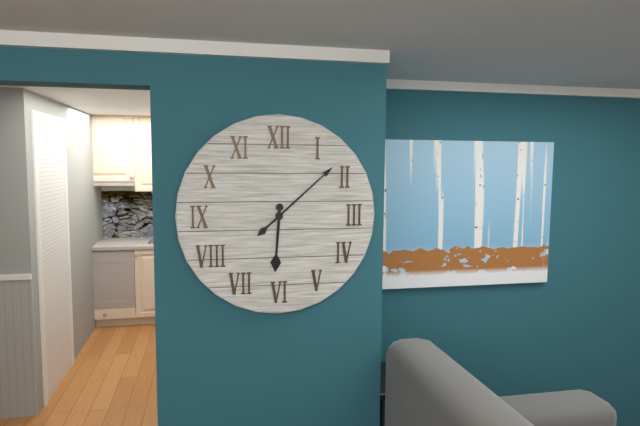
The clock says 6:08
